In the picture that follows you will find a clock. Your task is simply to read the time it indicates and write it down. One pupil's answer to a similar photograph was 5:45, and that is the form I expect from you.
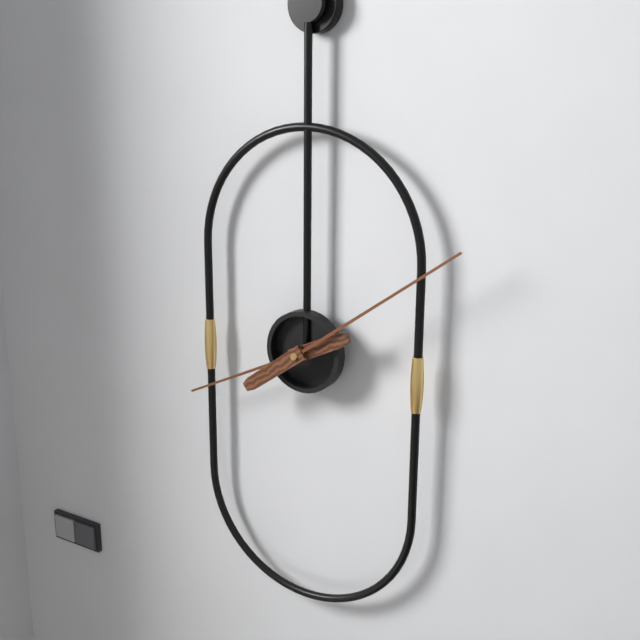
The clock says 8:09
